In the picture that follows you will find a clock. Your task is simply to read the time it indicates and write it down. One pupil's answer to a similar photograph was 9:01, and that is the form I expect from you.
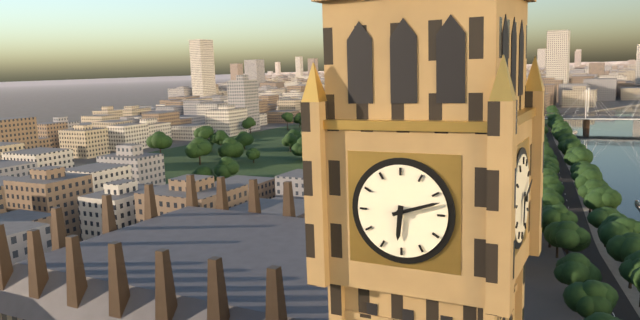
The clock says 6:12
